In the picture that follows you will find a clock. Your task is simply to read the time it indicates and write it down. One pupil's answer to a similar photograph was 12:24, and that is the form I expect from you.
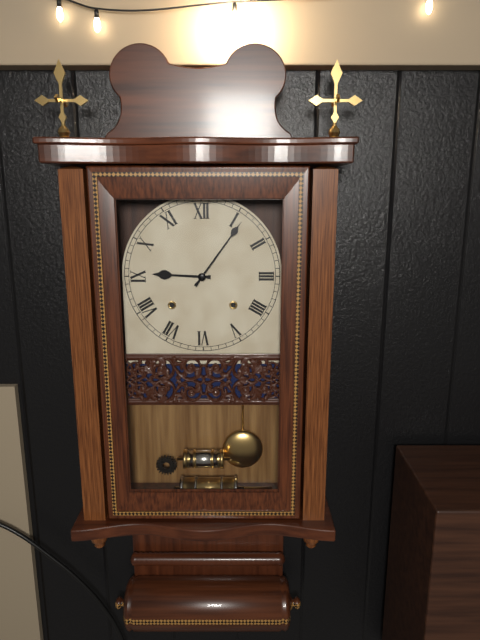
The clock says 9:06
